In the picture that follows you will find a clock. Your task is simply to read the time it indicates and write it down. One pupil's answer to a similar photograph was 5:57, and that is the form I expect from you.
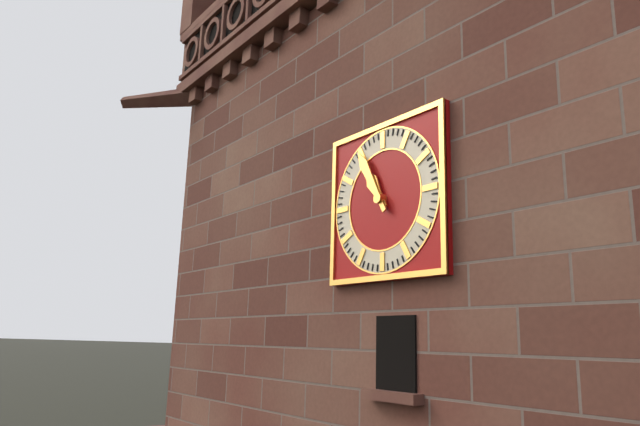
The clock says 10:55
